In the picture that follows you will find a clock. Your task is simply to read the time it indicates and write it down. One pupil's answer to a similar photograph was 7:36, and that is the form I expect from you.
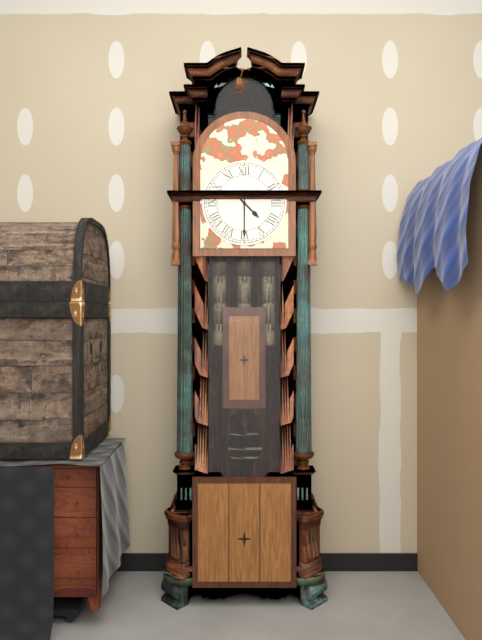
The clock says 4:30
